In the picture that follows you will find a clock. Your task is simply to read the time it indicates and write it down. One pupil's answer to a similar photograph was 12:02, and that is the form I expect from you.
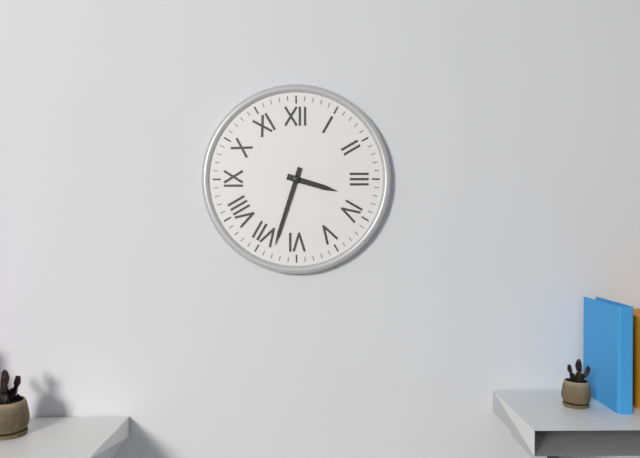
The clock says 3:33
